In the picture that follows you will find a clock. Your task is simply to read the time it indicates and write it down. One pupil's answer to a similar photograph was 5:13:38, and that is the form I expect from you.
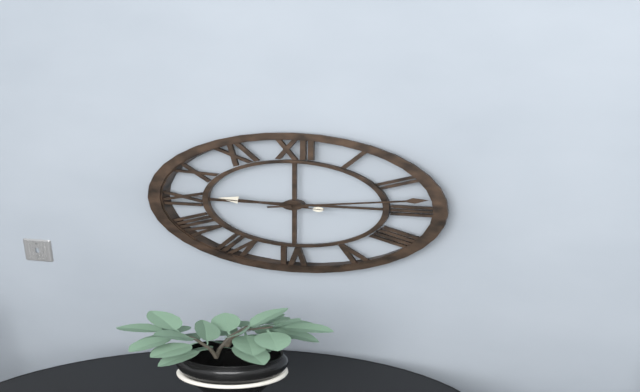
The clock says 9:13:46
